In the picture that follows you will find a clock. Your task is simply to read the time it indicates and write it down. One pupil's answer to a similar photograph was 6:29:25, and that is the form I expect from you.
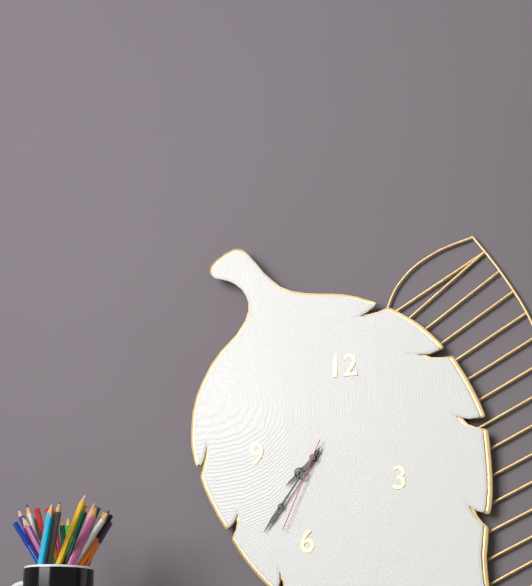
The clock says 7:36:34
